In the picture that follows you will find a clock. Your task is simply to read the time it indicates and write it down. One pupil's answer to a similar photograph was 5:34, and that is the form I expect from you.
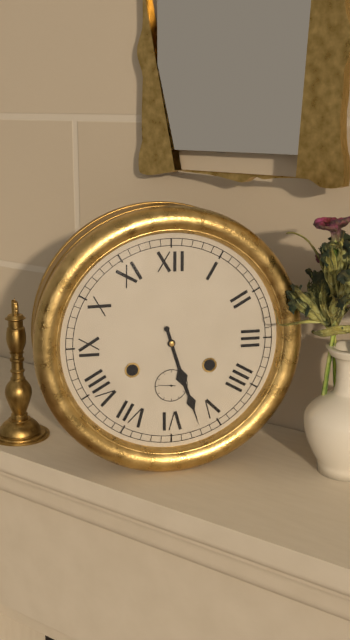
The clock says 5:27
